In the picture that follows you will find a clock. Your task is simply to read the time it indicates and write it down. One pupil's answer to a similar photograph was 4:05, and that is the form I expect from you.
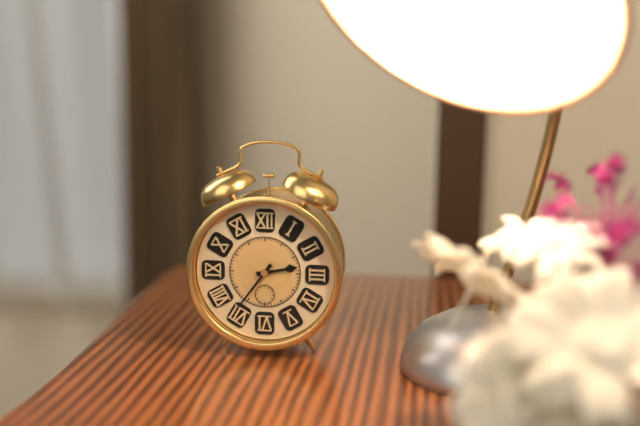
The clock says 2:36
